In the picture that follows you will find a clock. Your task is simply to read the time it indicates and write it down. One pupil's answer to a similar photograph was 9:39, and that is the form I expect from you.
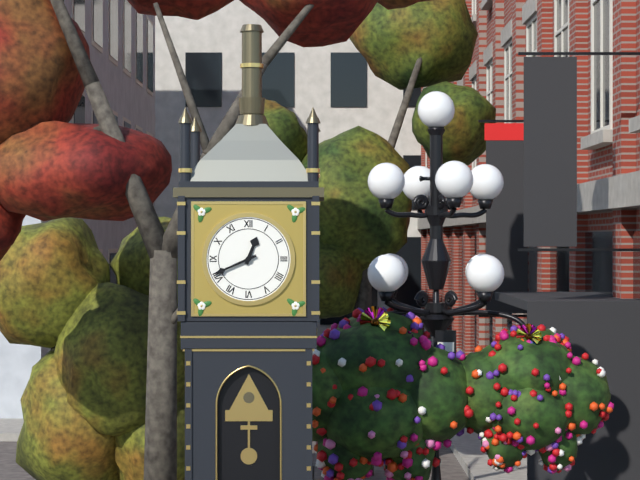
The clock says 12:41
